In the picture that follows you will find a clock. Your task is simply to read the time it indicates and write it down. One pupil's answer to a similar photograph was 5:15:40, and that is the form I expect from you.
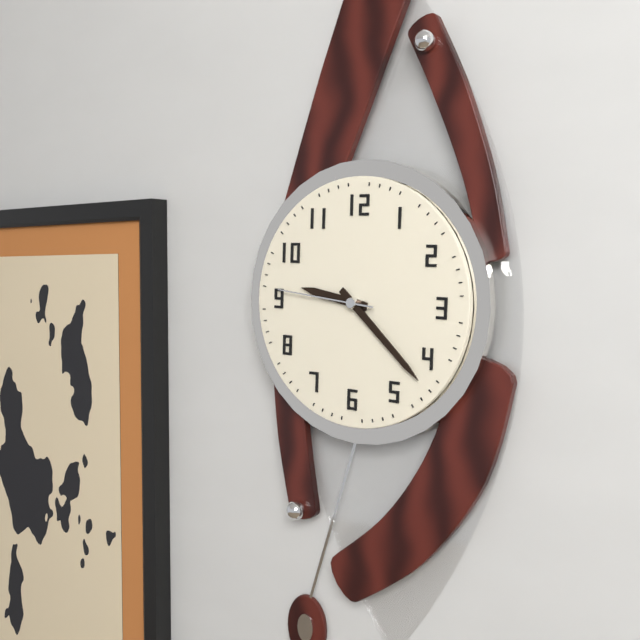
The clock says 9:22:46
